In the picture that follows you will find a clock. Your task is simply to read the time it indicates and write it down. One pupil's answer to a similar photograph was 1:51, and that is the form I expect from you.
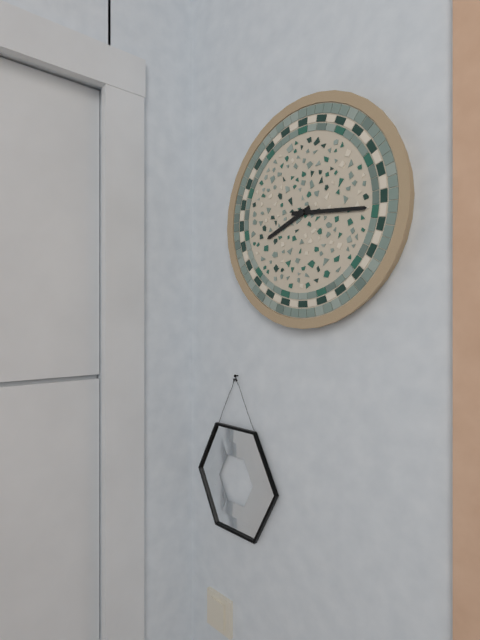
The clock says 8:16
